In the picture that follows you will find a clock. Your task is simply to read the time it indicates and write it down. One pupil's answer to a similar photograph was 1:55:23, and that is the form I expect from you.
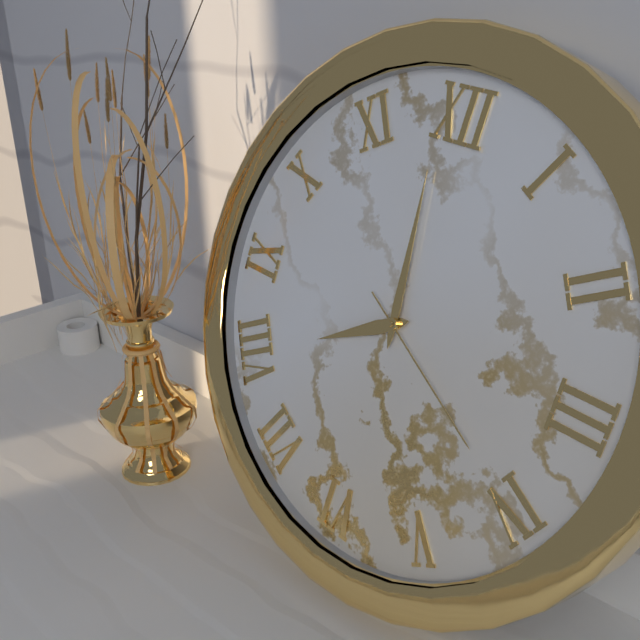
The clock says 7:59:20
